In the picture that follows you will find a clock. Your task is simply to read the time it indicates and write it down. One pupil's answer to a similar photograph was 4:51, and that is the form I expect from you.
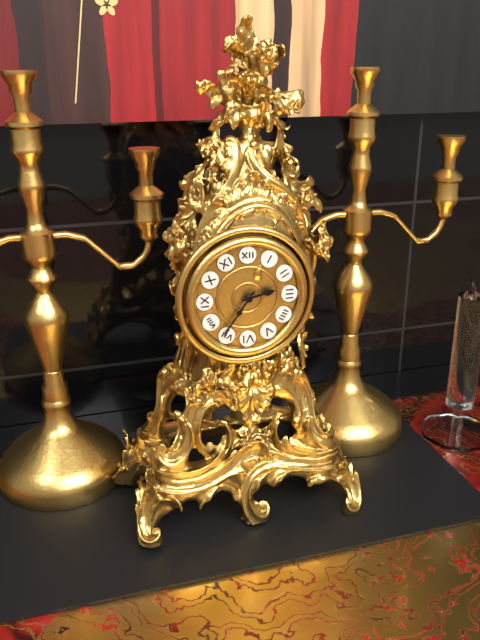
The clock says 2:36
